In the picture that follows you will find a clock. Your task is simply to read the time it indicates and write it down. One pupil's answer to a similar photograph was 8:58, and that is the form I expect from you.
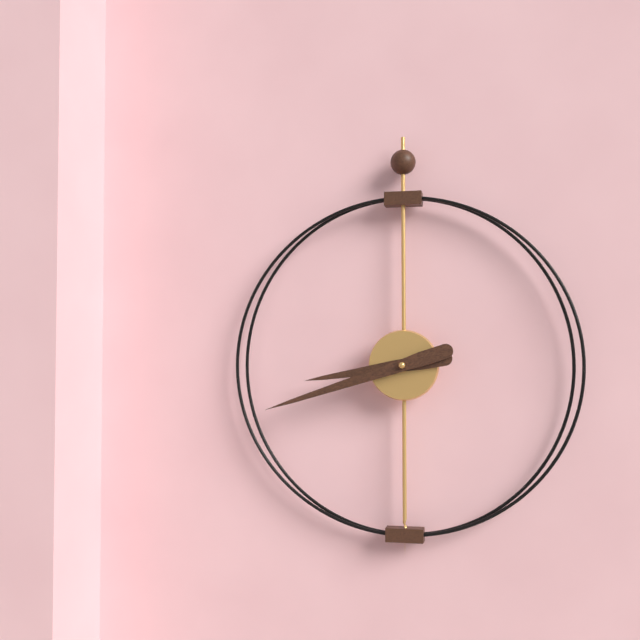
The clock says 8:42
